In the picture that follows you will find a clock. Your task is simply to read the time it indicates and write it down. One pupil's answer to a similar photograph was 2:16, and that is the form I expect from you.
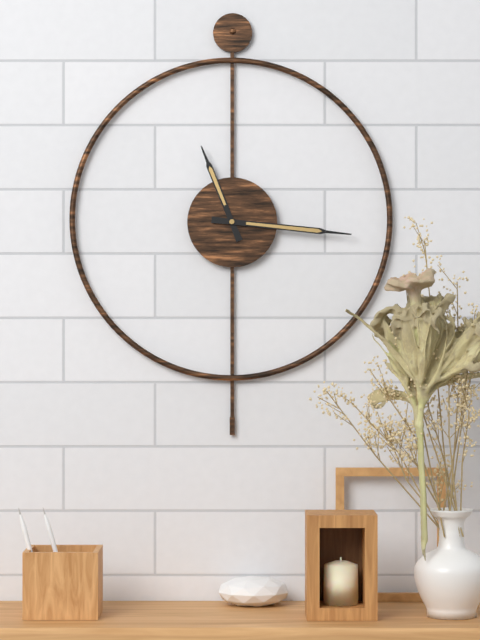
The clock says 11:16
